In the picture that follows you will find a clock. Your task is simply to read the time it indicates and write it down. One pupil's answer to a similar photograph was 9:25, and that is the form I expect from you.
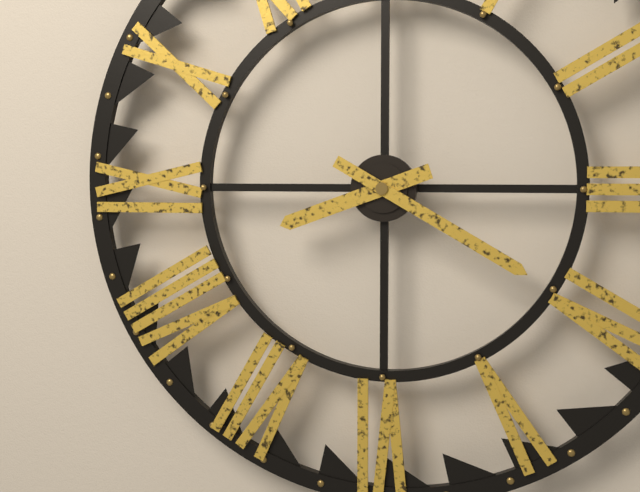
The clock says 8:20
